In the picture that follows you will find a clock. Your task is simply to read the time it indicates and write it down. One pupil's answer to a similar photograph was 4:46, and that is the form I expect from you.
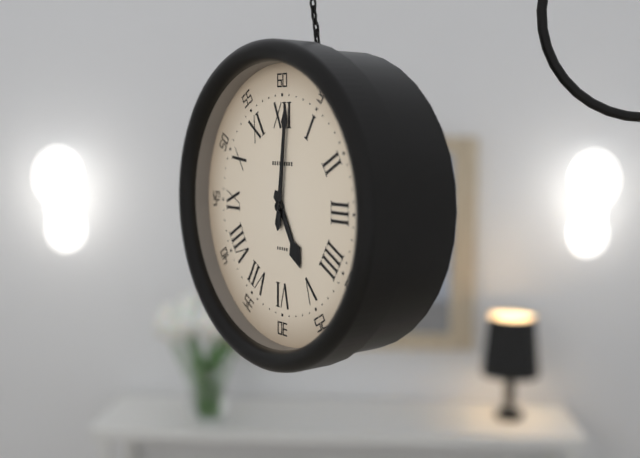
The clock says 5:01
